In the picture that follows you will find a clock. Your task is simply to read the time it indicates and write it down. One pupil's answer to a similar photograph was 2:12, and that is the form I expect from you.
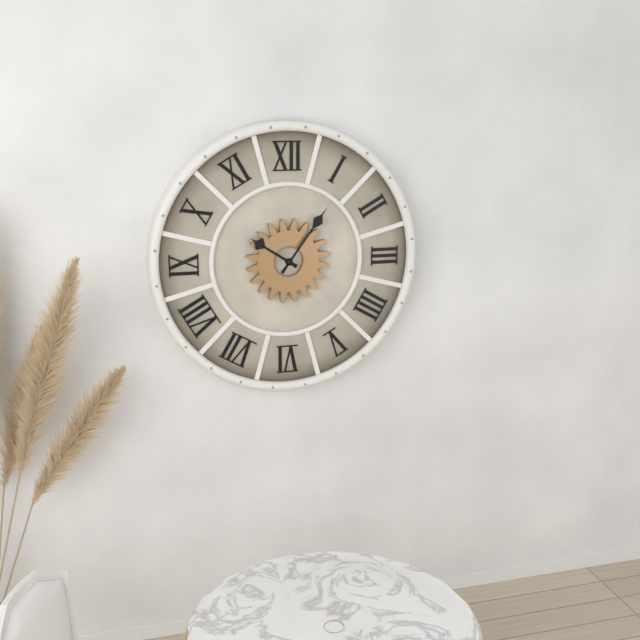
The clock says 10:06
